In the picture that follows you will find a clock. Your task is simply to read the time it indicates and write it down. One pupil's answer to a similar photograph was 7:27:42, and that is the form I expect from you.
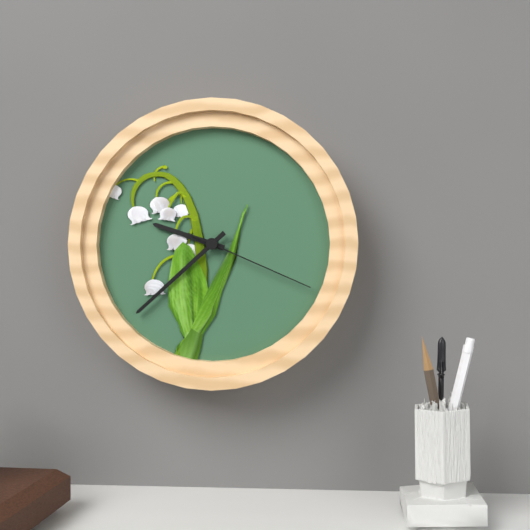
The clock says 9:38:19
